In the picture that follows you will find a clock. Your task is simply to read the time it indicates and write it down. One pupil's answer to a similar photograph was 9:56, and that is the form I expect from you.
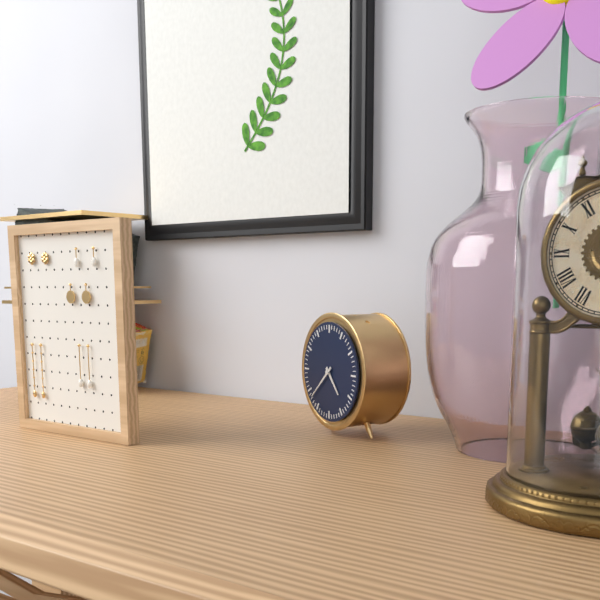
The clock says 4:38
